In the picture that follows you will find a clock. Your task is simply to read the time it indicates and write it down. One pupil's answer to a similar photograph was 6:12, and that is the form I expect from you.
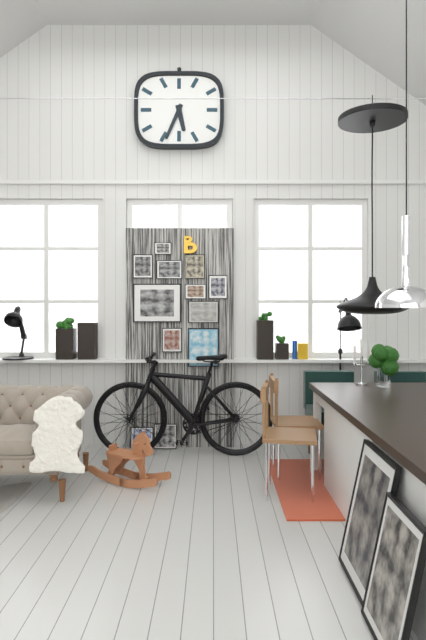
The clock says 5:34
